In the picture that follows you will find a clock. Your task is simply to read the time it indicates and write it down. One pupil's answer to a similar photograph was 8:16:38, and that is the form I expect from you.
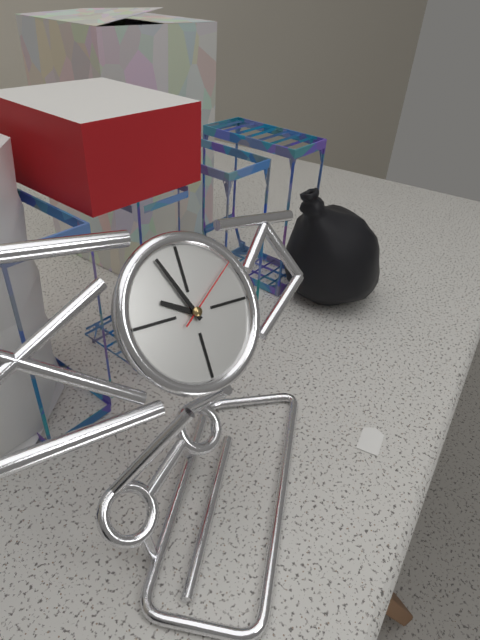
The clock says 9:56:09
